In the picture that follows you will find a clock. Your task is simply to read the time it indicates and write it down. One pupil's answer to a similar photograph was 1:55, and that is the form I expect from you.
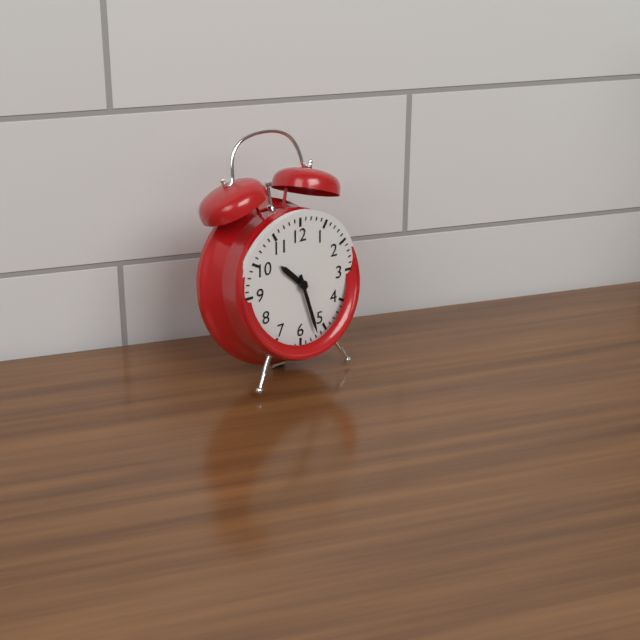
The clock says 10:27
